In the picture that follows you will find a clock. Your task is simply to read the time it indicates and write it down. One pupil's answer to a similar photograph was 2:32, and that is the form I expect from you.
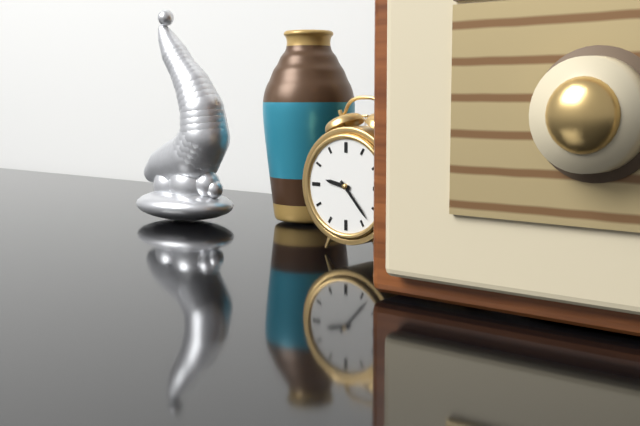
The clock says 9:23
